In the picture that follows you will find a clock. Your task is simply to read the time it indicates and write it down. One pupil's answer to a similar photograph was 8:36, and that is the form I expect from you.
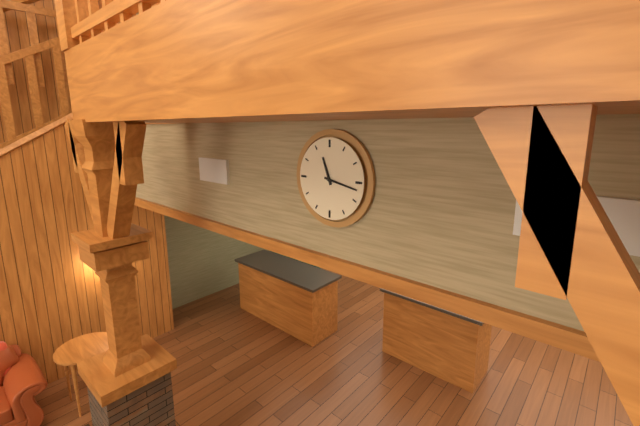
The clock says 11:17
